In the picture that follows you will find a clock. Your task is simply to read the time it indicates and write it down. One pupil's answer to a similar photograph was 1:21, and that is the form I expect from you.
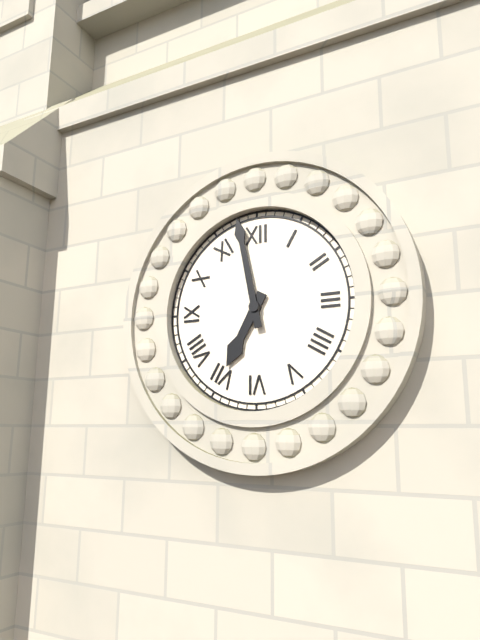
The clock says 6:58
